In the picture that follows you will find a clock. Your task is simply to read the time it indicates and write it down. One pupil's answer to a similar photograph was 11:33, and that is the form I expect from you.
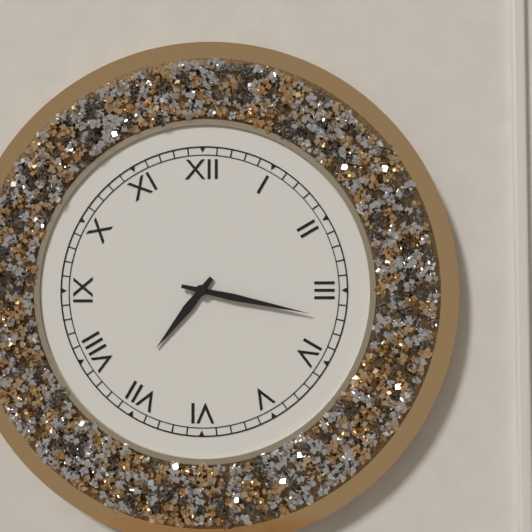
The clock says 7:17
